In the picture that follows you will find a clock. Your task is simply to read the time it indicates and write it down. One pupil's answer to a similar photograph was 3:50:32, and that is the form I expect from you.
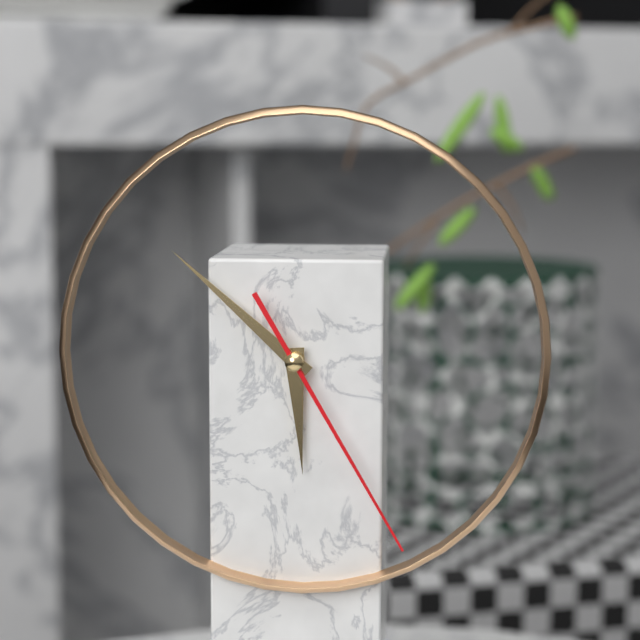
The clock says 5:52:25
